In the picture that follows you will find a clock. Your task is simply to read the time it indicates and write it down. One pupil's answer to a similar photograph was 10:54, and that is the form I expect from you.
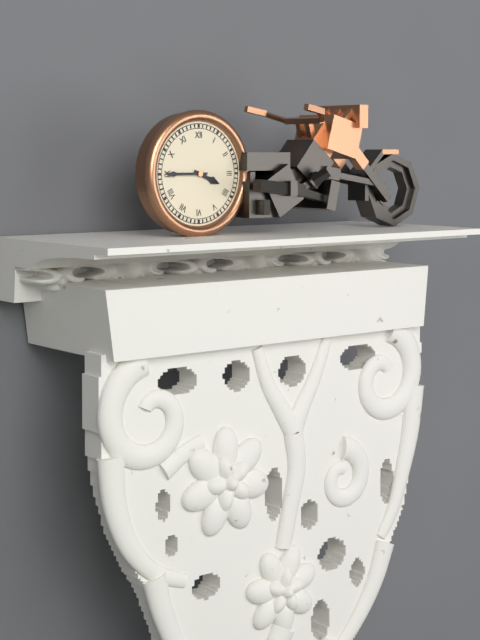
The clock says 3:45
